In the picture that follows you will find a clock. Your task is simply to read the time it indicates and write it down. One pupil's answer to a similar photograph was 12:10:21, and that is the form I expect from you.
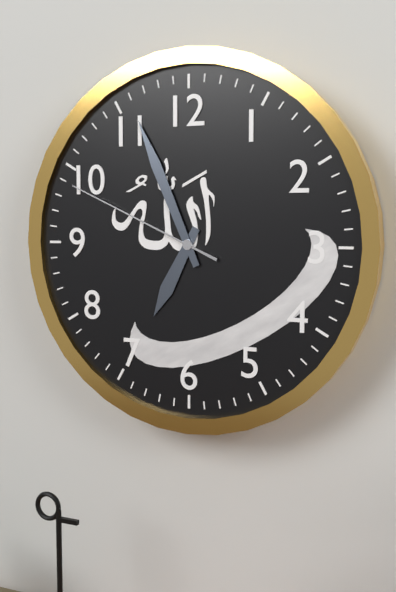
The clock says 6:56:49
